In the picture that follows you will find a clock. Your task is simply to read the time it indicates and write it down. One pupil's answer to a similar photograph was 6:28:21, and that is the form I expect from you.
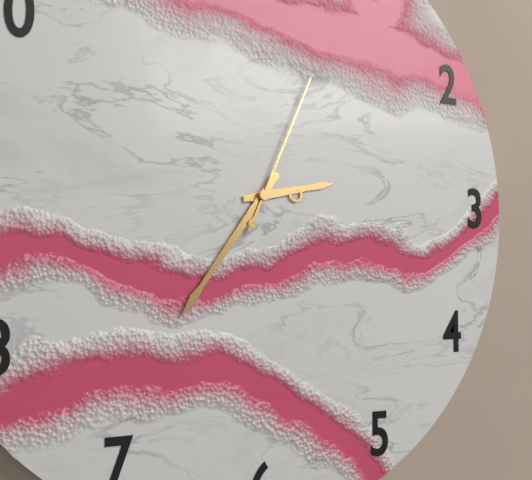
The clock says 2:36:04
